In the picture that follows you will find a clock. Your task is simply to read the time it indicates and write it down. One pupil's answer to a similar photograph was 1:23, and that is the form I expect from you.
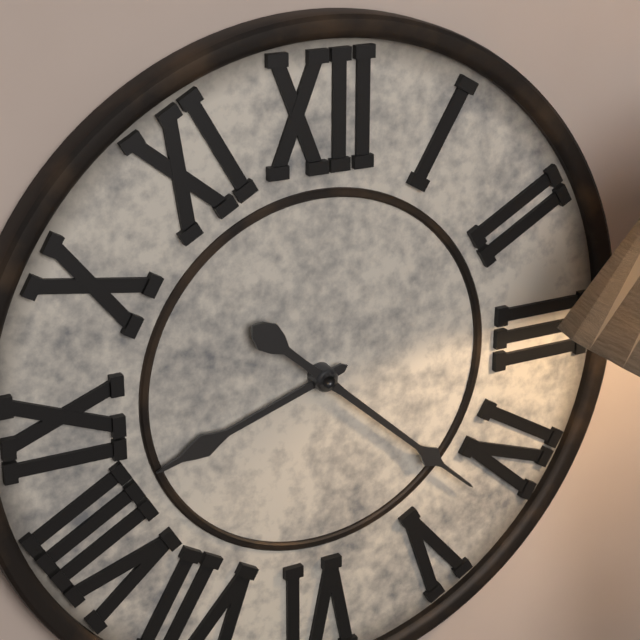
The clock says 8:22
